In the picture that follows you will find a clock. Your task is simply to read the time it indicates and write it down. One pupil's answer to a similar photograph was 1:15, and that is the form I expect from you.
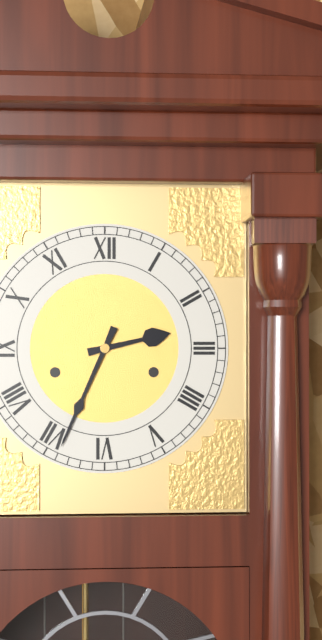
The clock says 2:34
